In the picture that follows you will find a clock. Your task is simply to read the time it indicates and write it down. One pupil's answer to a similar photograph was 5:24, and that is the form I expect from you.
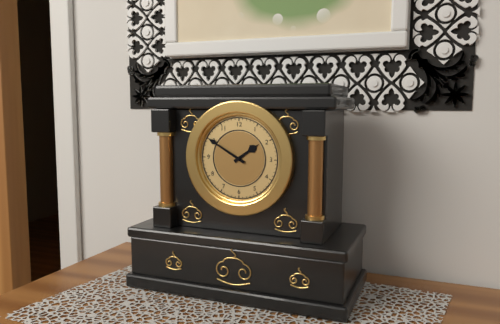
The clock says 1:50
